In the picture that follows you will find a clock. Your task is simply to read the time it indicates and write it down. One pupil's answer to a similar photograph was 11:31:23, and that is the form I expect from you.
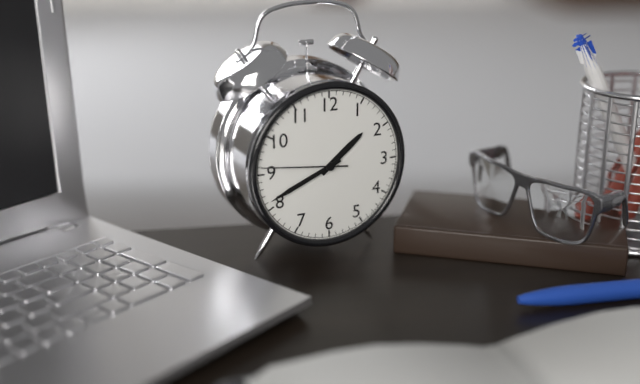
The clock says 1:41:46
